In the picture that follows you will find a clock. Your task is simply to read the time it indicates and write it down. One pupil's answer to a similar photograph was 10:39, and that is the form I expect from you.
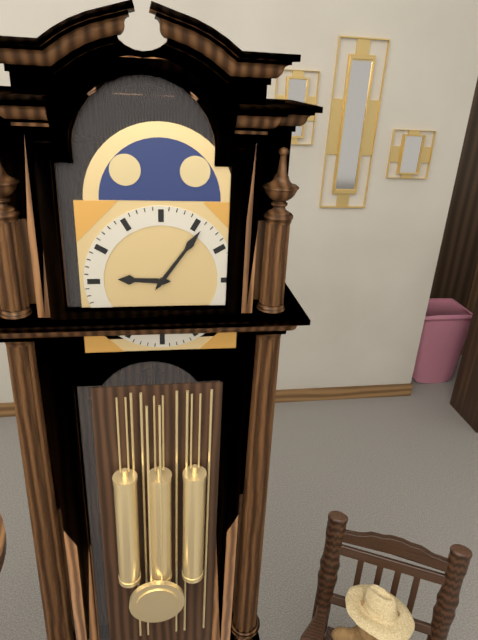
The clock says 9:06
